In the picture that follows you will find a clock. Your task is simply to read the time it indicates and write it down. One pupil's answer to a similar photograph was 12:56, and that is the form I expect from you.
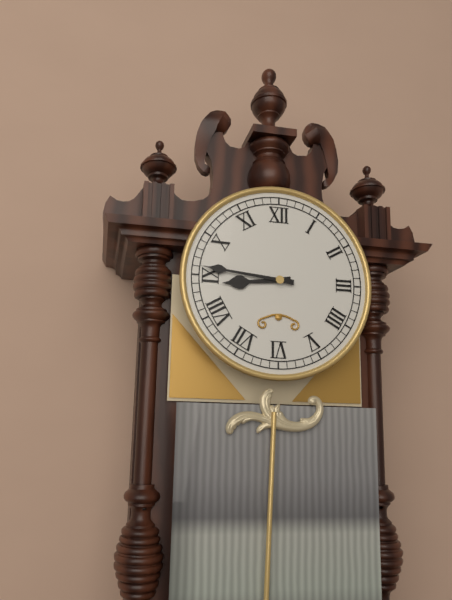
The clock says 8:46
